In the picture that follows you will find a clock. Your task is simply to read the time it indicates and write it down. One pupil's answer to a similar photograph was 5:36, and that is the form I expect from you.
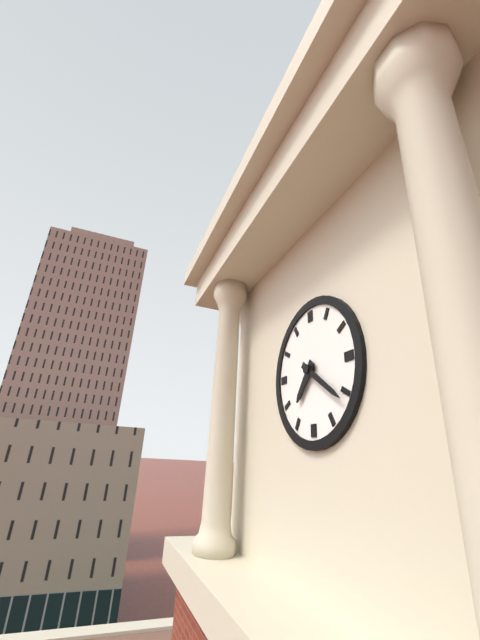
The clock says 7:21
